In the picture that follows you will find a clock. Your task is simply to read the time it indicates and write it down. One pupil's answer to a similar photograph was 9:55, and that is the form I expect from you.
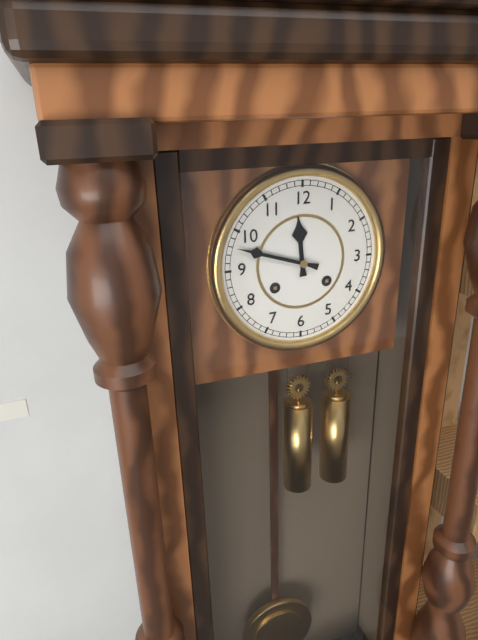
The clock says 11:48
